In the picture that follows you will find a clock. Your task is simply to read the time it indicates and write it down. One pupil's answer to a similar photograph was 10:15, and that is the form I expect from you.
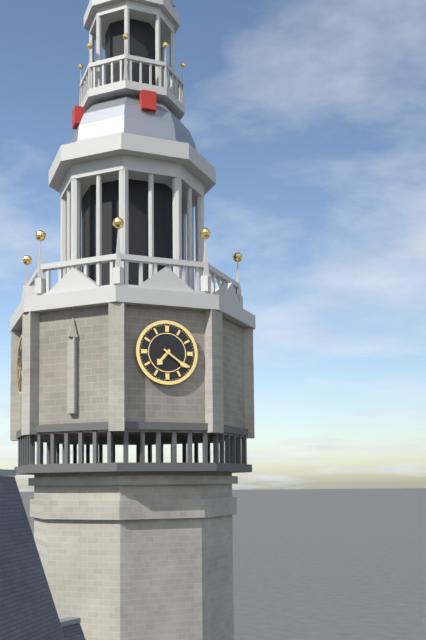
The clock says 7:21
